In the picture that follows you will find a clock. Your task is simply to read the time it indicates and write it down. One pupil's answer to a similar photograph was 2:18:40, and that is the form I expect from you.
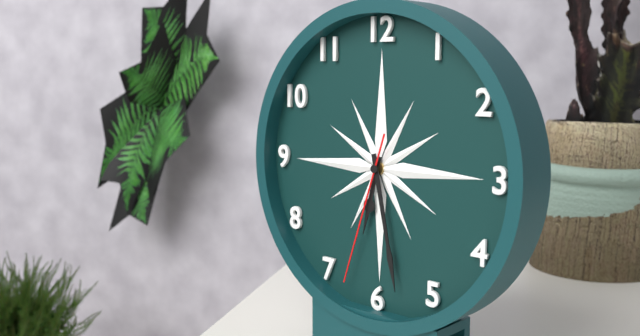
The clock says 6:28:33
